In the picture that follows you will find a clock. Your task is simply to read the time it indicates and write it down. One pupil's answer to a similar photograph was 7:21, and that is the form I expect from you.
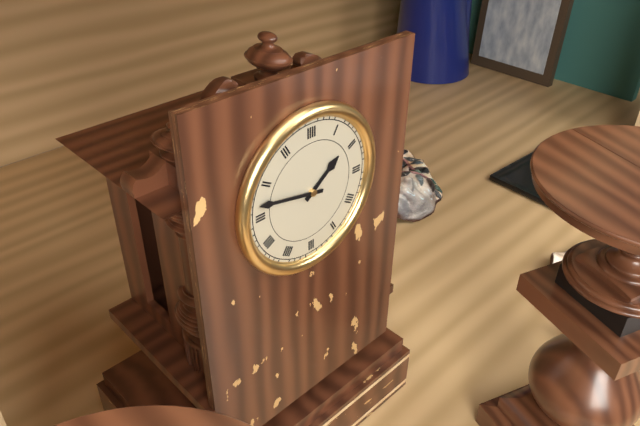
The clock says 1:47
